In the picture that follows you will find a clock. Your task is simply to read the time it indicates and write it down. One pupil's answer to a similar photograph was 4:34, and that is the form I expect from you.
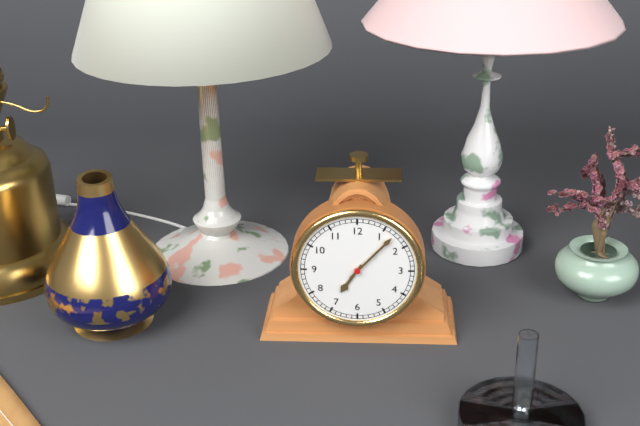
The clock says 7:07
